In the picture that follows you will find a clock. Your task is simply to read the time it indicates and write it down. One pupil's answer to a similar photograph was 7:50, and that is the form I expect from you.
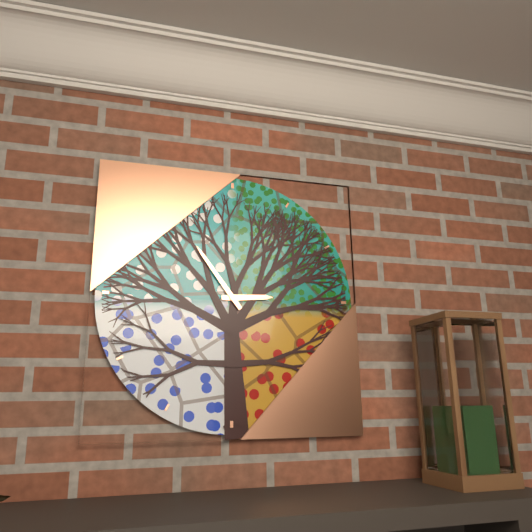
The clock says 2:54
